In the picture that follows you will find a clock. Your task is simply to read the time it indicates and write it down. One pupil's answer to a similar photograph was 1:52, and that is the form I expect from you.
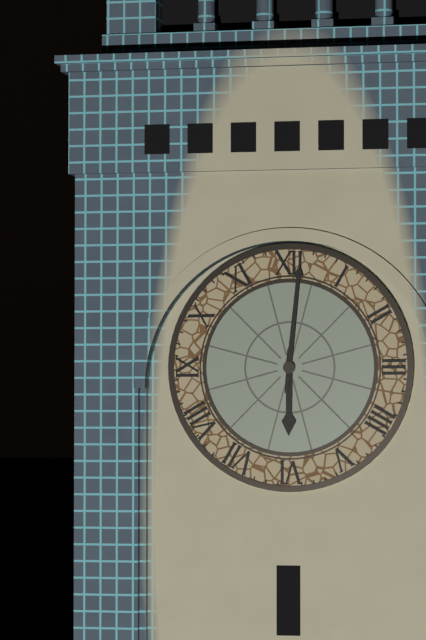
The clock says 6:01
